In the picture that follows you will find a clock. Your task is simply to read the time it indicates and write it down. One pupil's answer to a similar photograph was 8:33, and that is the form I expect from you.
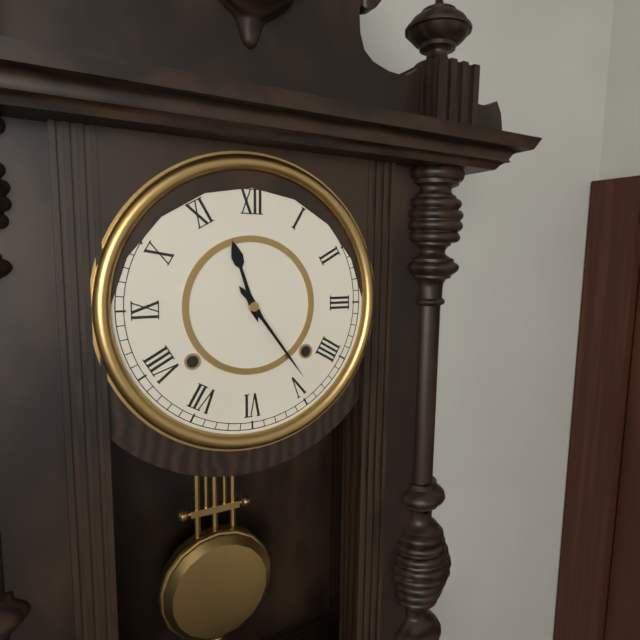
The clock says 11:24
